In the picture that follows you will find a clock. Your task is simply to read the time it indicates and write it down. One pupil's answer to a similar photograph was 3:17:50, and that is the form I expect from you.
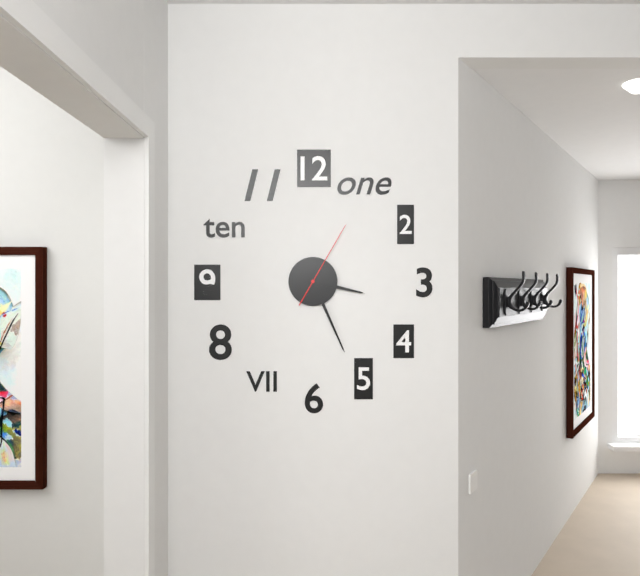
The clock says 3:26:05
